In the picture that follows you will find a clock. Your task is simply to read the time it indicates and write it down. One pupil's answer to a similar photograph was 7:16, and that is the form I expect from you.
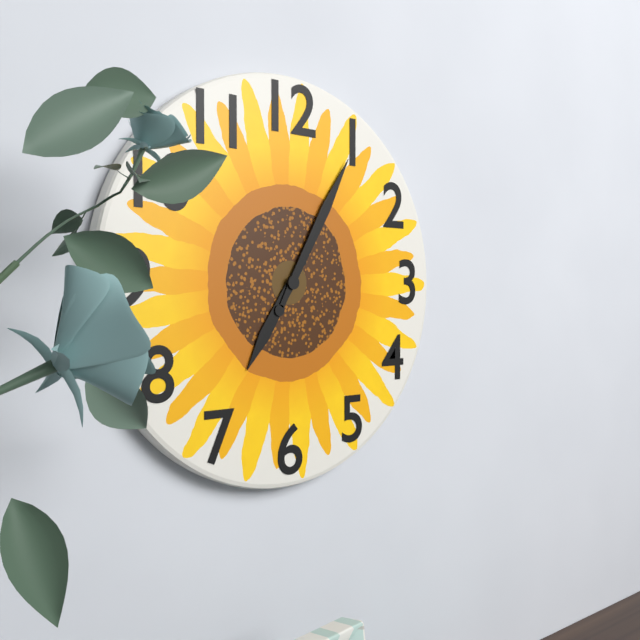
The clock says 7:05
